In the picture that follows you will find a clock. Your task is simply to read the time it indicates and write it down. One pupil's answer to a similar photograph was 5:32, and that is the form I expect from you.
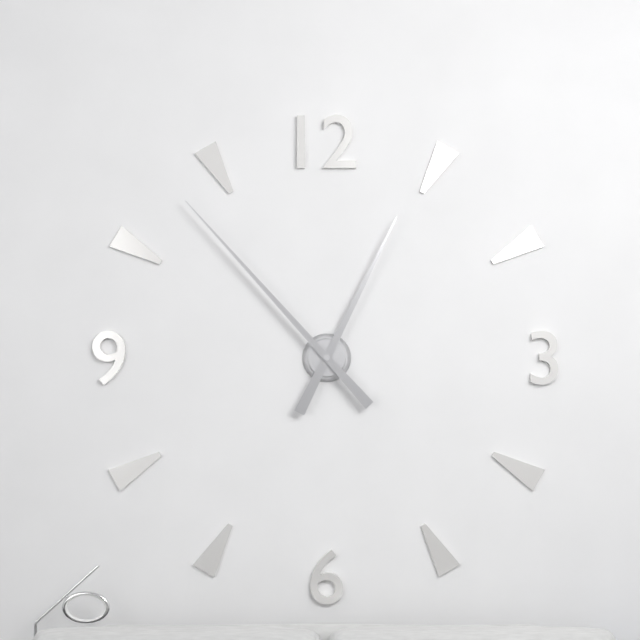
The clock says 12:53
